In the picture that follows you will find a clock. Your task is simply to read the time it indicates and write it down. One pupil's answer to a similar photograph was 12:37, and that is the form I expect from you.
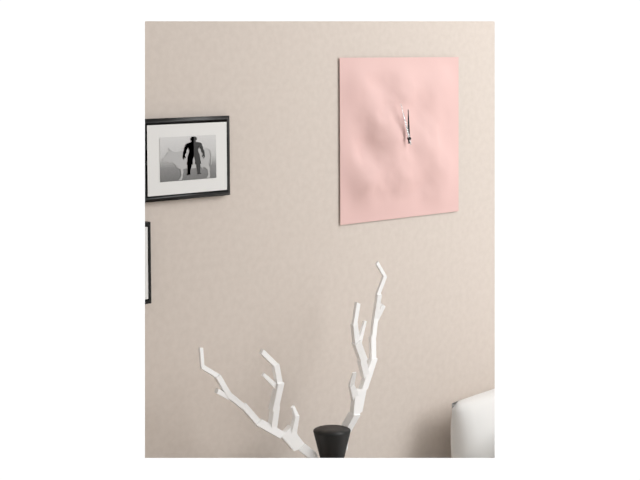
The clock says 11:57
